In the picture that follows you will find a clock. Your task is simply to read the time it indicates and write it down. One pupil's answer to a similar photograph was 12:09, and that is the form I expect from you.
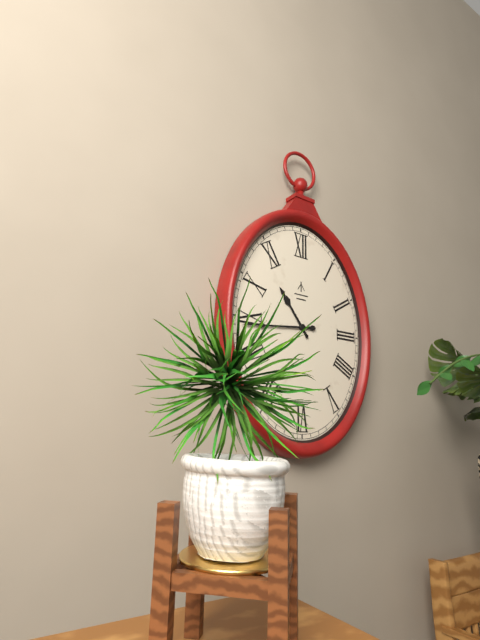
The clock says 10:44
